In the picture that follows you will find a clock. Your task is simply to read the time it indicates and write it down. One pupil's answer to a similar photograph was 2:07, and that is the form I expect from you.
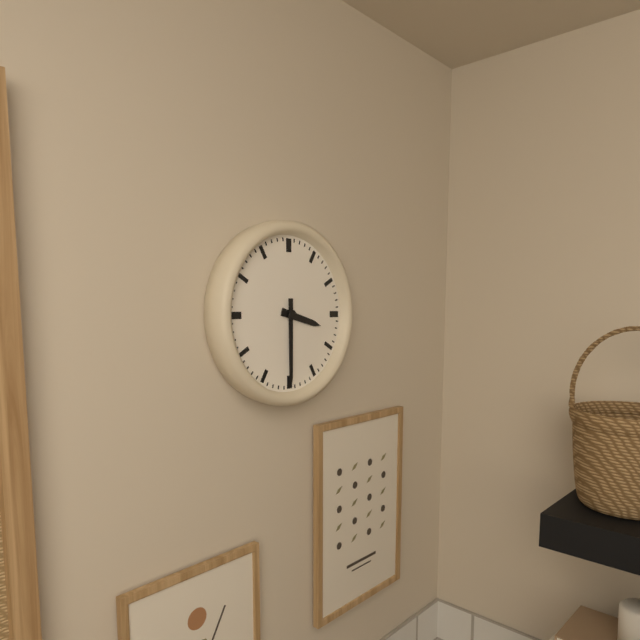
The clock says 3:30
